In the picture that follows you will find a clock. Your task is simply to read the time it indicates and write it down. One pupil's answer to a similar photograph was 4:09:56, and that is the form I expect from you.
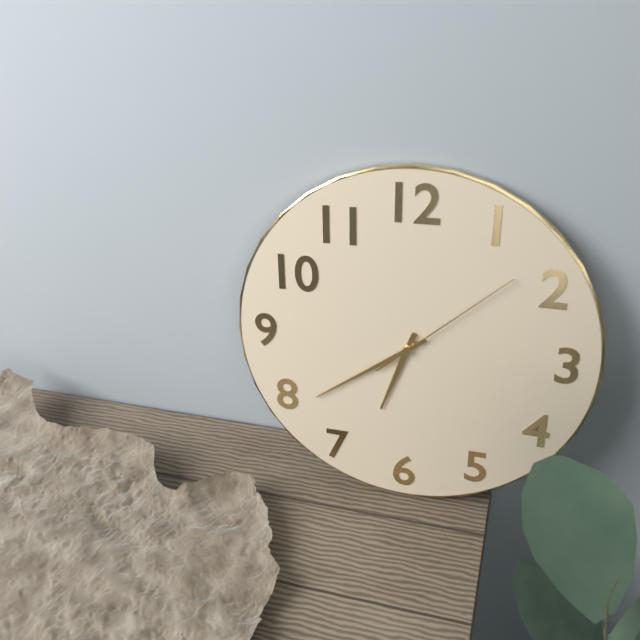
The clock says 6:39:08
